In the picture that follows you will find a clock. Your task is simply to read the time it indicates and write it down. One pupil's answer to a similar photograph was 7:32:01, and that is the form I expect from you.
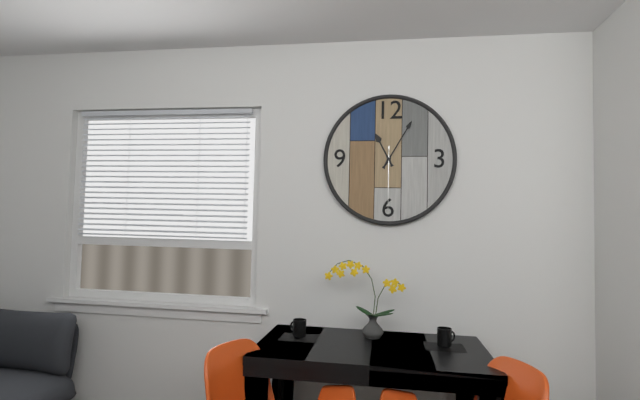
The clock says 11:05:30
